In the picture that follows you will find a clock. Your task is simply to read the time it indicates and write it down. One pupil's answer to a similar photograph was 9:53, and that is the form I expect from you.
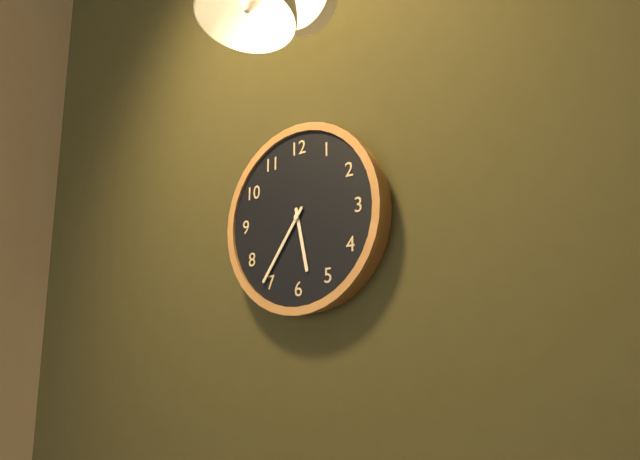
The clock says 5:36
